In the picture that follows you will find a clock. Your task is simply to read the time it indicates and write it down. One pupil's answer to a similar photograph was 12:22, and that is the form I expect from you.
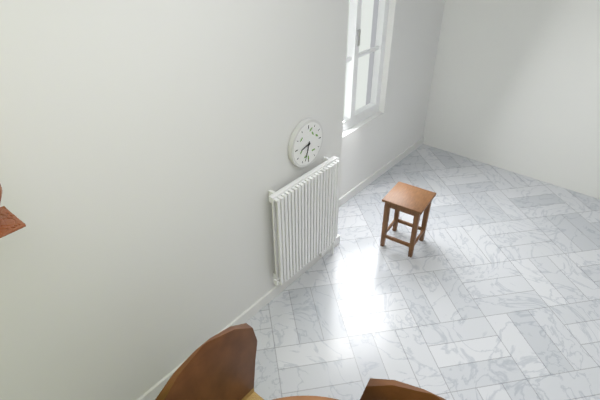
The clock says 8:33
